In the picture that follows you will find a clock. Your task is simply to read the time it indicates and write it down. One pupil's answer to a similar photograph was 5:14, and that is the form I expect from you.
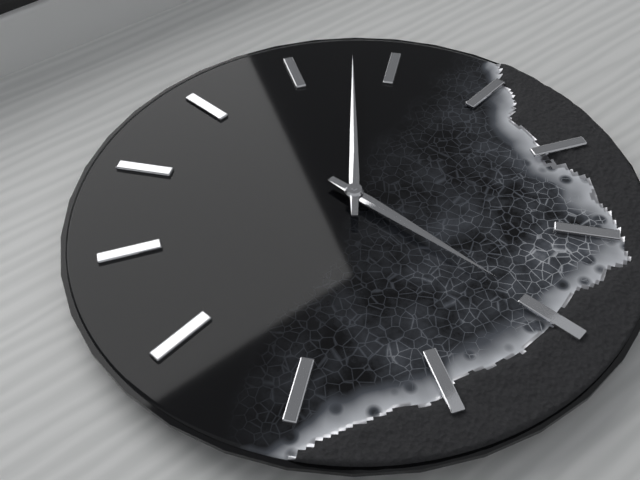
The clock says 3:58
